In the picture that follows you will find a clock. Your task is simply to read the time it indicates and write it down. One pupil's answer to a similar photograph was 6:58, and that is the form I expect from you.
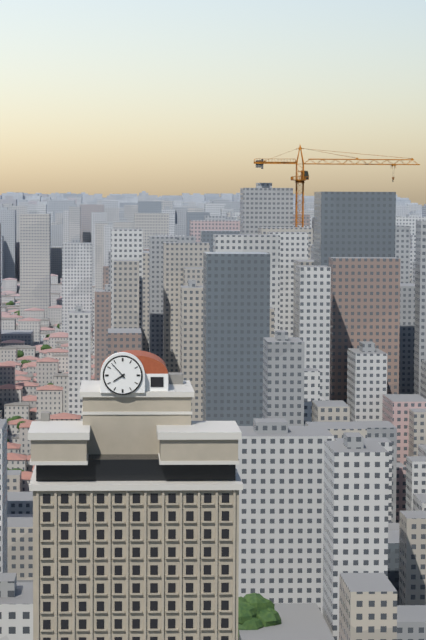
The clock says 7:53
